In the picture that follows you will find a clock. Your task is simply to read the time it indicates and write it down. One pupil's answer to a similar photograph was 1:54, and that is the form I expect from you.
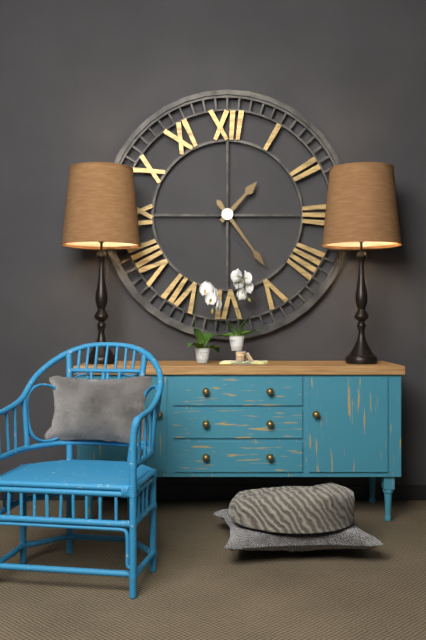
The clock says 1:24
